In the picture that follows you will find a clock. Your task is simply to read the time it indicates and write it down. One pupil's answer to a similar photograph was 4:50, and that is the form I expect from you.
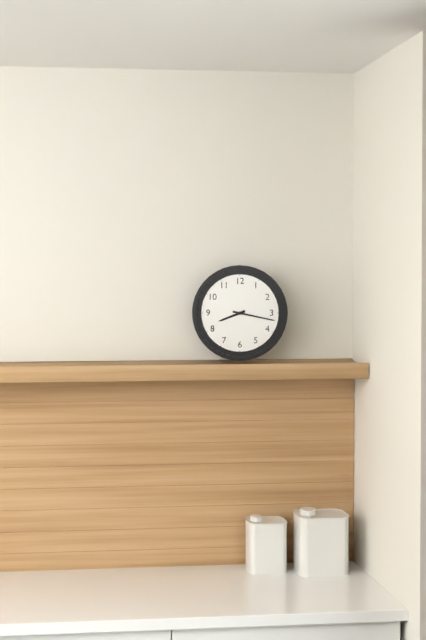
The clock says 8:17
